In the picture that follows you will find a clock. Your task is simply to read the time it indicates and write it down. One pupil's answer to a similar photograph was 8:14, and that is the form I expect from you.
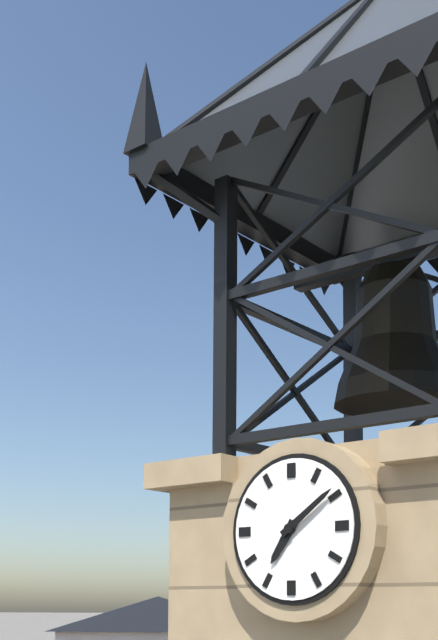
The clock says 7:09
